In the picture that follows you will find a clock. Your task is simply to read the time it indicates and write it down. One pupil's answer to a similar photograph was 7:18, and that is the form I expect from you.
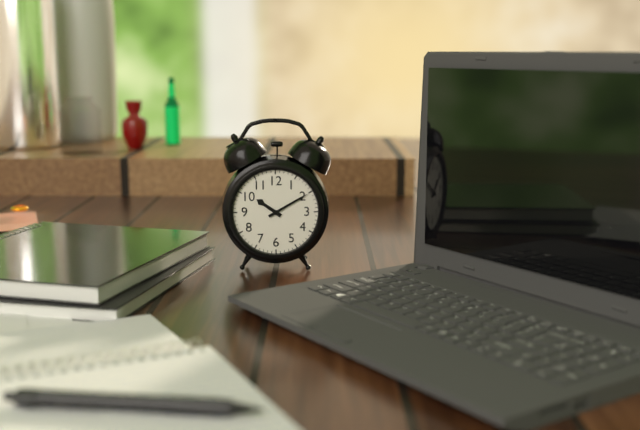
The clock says 10:10
